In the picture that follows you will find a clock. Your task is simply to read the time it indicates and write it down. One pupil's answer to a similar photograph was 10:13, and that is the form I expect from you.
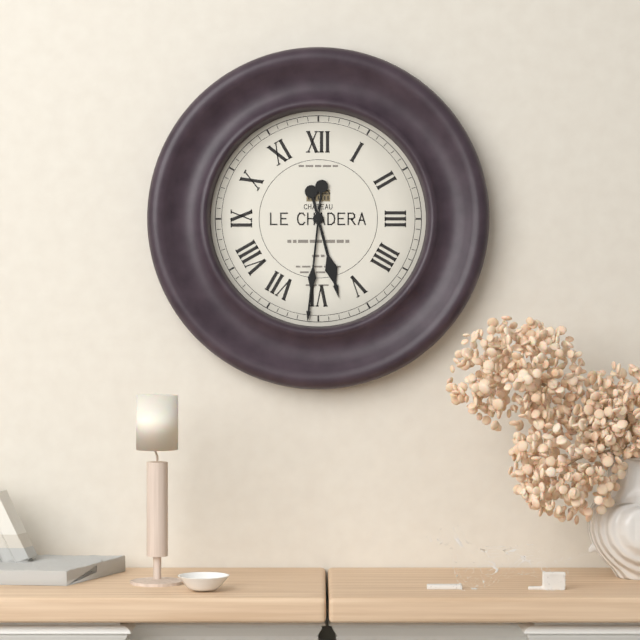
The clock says 5:31
